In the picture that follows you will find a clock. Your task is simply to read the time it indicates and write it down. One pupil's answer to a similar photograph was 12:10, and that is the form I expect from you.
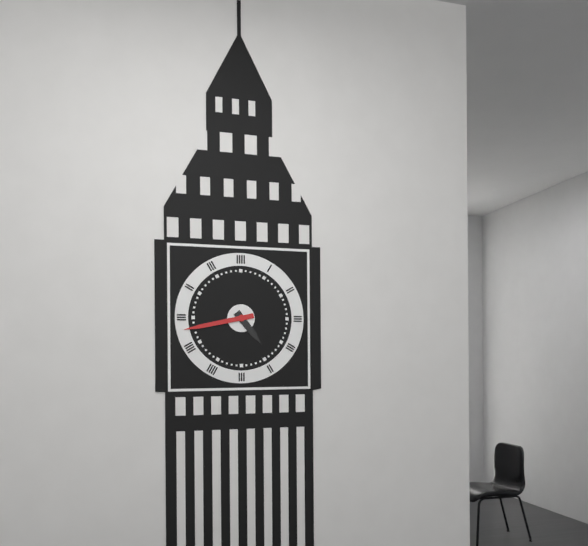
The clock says 4:43
